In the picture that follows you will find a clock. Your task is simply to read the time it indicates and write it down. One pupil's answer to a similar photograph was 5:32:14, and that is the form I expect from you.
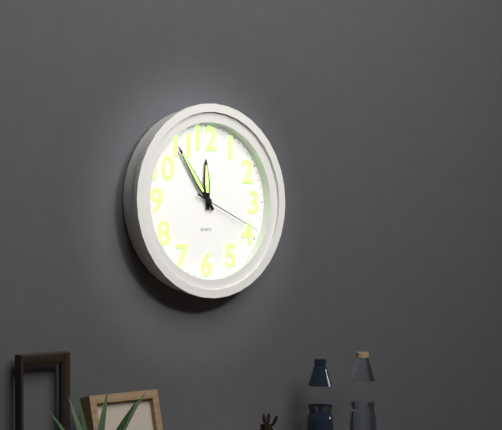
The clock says 11:54:19
